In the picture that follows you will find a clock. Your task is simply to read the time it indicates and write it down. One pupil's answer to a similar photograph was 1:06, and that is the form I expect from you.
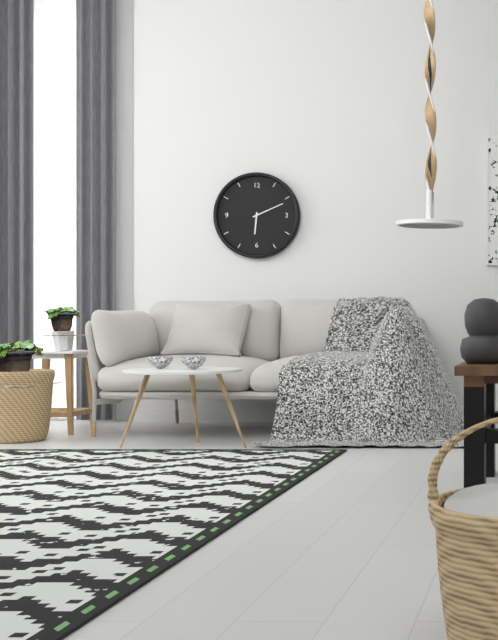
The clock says 6:11
